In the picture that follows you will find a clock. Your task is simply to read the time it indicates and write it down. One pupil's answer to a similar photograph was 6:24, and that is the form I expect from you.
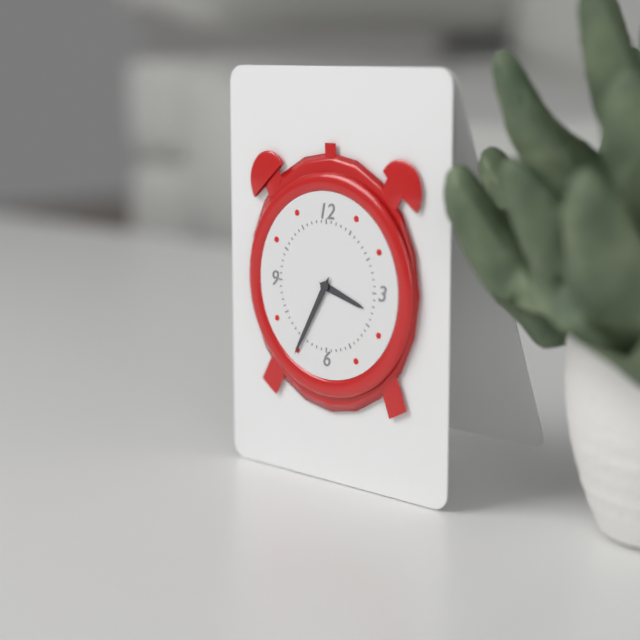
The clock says 3:35
